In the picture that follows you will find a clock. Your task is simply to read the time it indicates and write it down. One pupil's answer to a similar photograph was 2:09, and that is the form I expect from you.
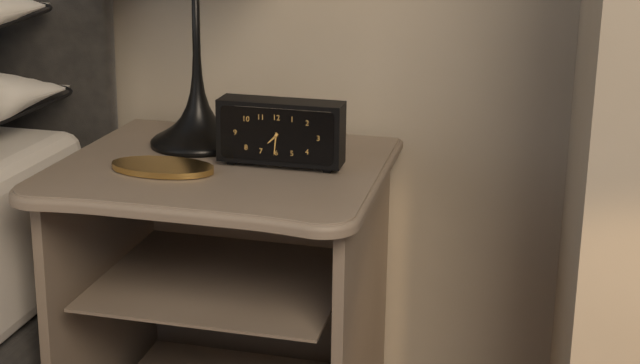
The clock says 7:31
